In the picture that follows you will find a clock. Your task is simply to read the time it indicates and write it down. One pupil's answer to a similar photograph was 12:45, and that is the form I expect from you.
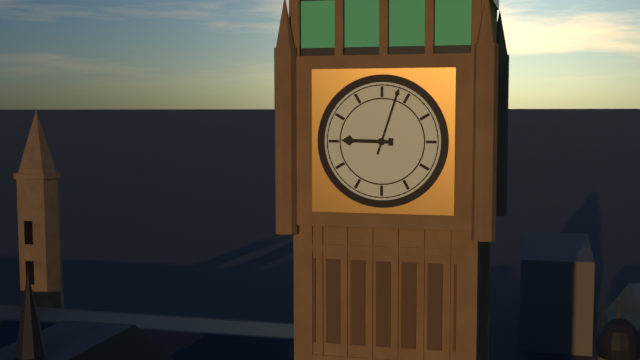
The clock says 9:03
